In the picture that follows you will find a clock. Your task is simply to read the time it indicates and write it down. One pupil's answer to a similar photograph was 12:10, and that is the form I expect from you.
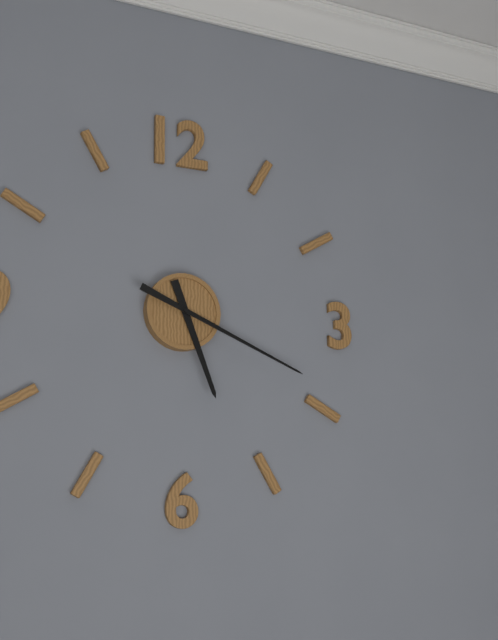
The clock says 5:19
